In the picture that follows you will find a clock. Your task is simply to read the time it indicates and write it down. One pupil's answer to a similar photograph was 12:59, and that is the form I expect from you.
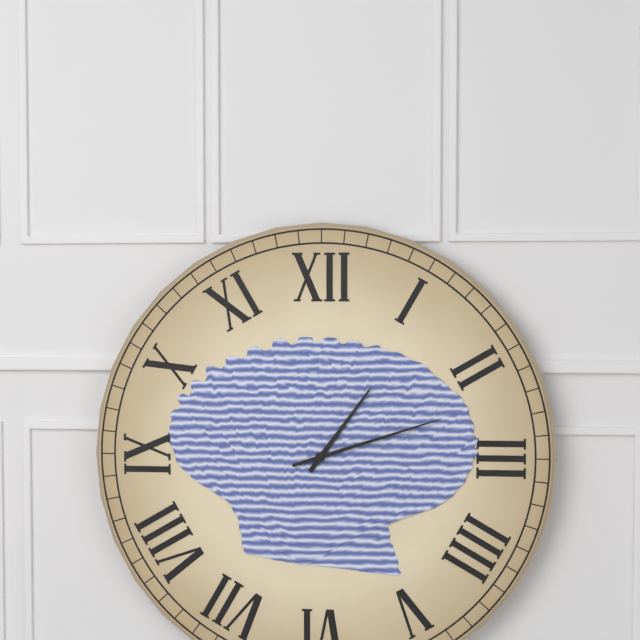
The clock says 1:12
